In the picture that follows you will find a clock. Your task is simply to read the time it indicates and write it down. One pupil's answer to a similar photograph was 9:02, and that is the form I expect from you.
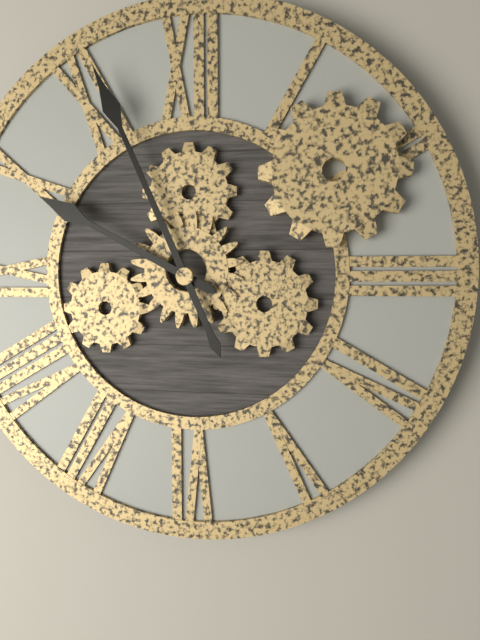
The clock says 9:56
